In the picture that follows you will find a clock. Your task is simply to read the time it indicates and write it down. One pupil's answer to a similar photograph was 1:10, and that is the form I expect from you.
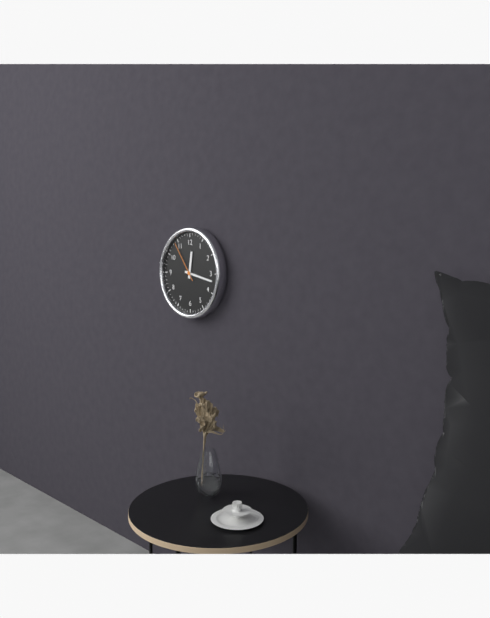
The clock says 12:17
